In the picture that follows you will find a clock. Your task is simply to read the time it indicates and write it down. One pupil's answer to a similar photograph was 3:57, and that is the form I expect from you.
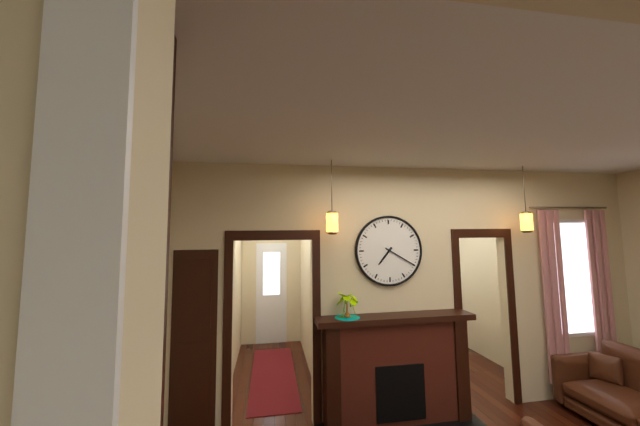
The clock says 7:20
